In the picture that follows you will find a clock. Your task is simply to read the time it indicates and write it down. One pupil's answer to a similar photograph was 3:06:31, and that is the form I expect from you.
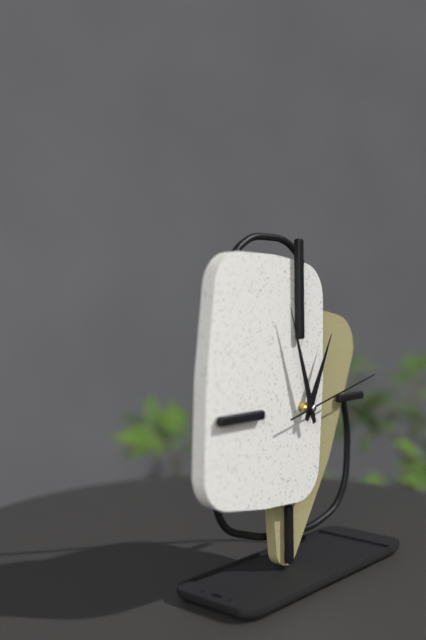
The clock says 12:57:13
